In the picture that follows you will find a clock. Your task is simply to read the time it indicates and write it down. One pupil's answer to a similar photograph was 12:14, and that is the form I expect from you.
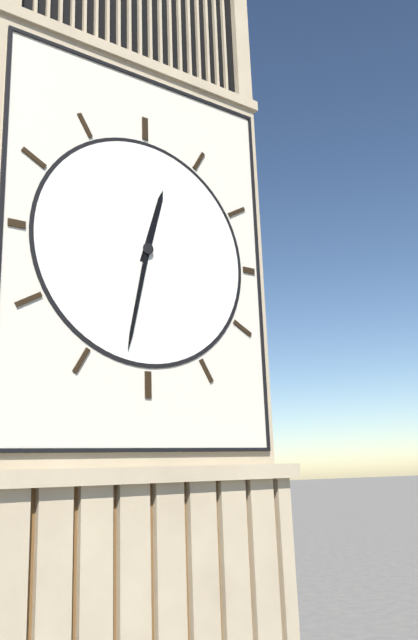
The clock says 12:32
